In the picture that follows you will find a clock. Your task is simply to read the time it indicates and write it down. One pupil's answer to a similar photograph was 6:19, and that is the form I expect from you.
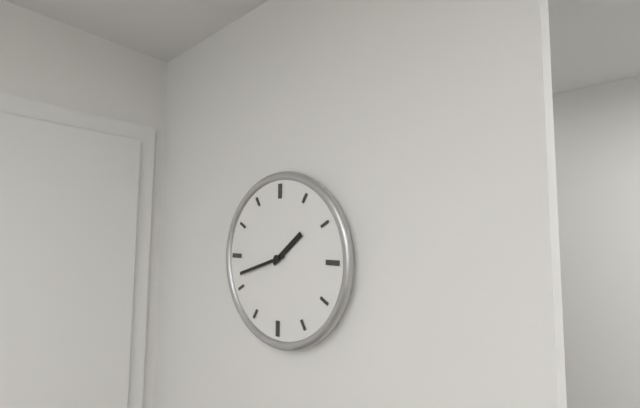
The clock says 1:42
